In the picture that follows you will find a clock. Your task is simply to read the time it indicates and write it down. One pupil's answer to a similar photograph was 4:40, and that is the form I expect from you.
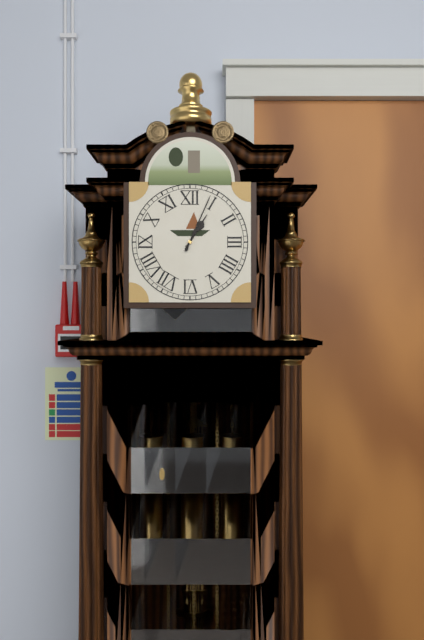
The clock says 1:04
